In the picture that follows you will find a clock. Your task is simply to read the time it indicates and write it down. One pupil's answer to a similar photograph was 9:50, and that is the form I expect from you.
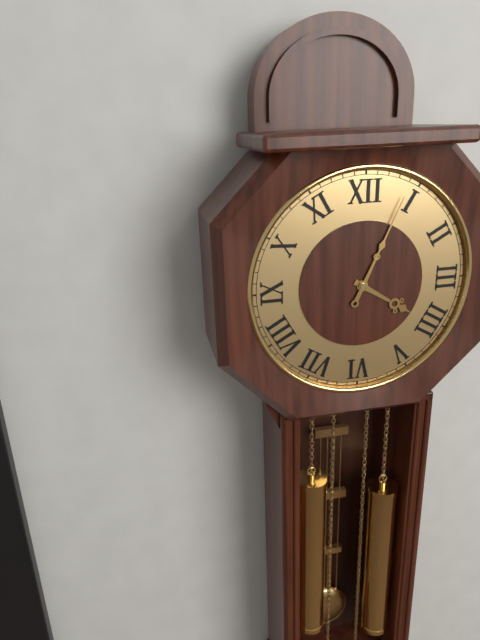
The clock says 4:04
